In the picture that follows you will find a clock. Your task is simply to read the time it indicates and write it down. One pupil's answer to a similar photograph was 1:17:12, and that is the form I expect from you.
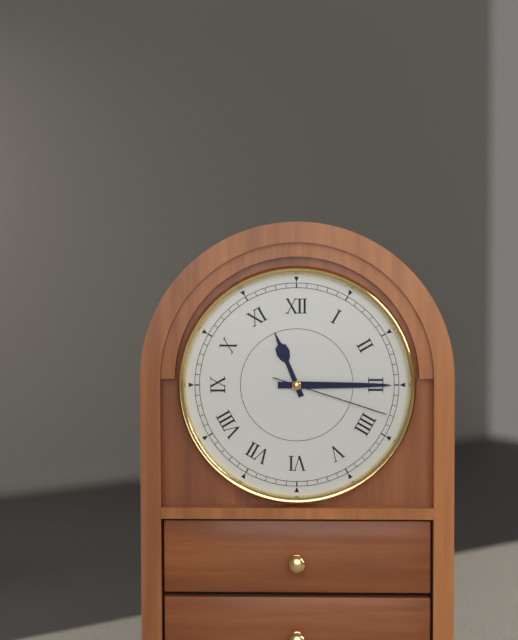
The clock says 11:15:18
